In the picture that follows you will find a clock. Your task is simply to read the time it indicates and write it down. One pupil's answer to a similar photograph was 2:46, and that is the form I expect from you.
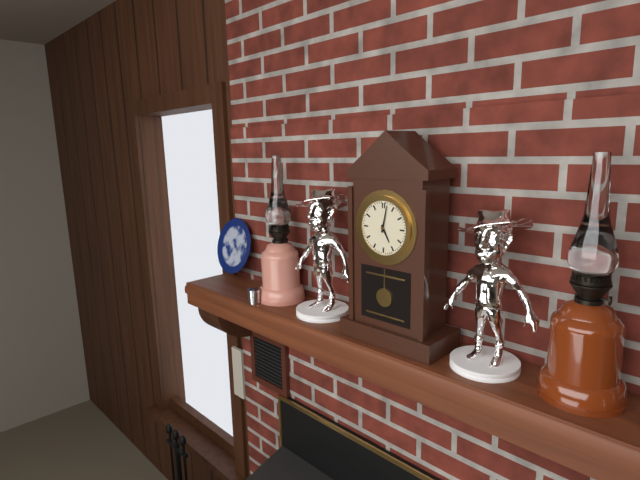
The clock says 5:02
